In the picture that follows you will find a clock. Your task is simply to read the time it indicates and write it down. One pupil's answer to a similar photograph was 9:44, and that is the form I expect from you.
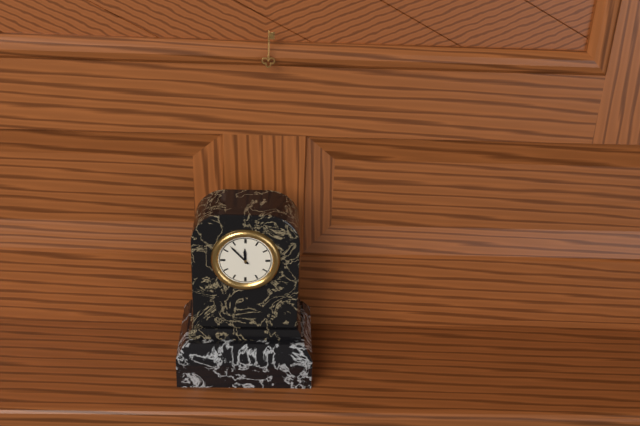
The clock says 11:53
